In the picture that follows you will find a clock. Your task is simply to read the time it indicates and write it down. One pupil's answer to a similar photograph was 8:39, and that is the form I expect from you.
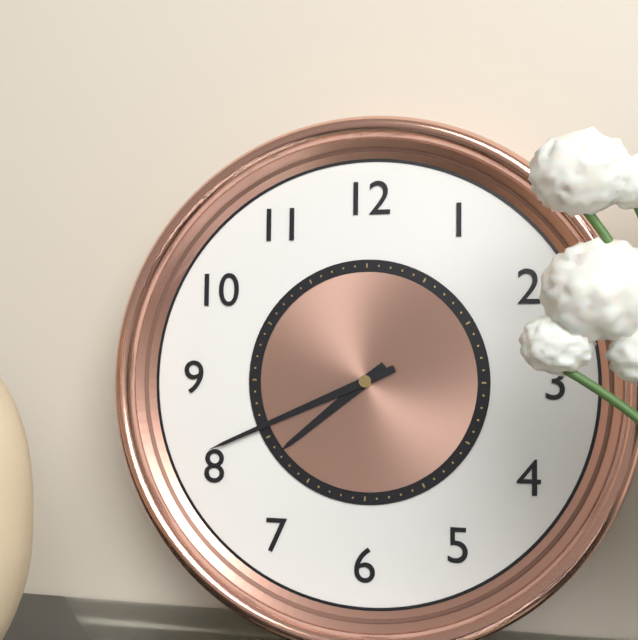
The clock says 7:41
